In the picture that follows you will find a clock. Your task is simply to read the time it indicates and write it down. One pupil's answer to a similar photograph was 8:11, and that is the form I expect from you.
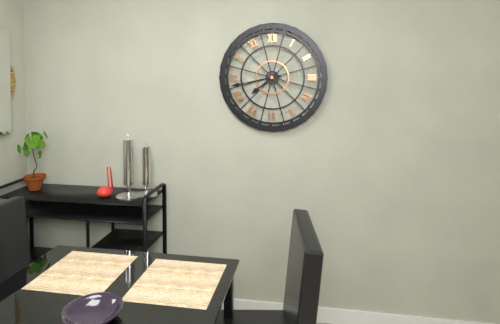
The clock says 7:43
